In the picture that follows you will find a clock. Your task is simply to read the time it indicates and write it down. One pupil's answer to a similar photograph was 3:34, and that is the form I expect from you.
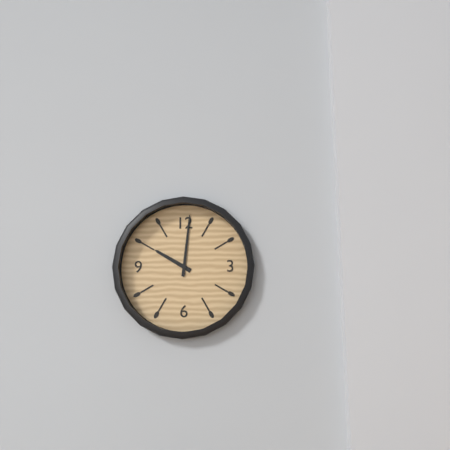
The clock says 10:01
